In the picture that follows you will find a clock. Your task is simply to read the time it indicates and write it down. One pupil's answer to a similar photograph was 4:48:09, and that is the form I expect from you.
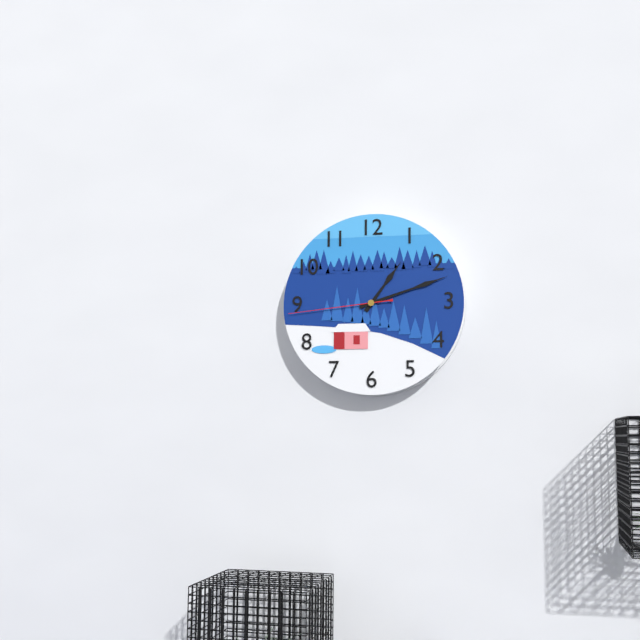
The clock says 1:12:44
